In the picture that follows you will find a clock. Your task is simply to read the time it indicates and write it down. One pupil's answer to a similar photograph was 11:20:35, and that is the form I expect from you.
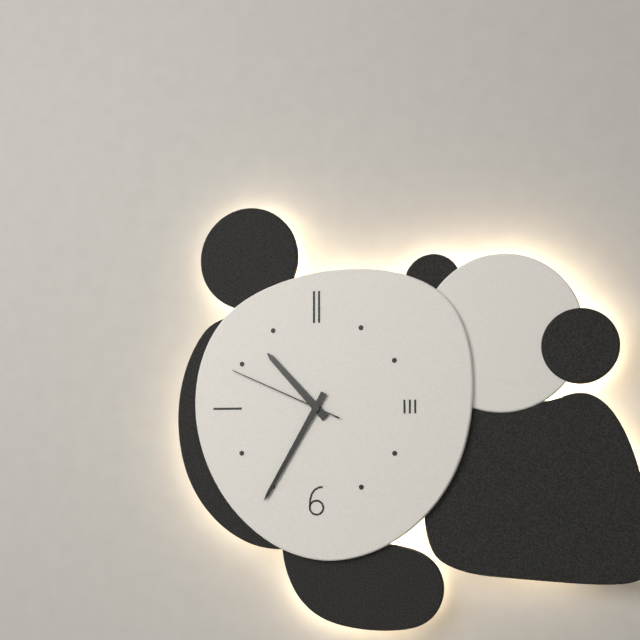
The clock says 10:35:49
